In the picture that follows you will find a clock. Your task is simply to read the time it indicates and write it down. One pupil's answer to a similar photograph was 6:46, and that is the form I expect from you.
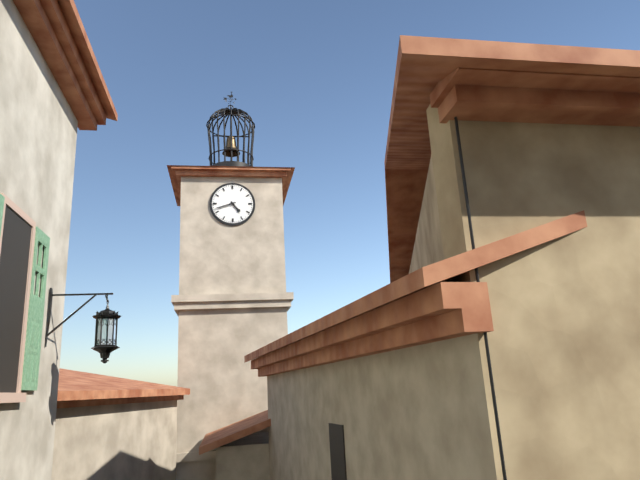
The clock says 4:42
